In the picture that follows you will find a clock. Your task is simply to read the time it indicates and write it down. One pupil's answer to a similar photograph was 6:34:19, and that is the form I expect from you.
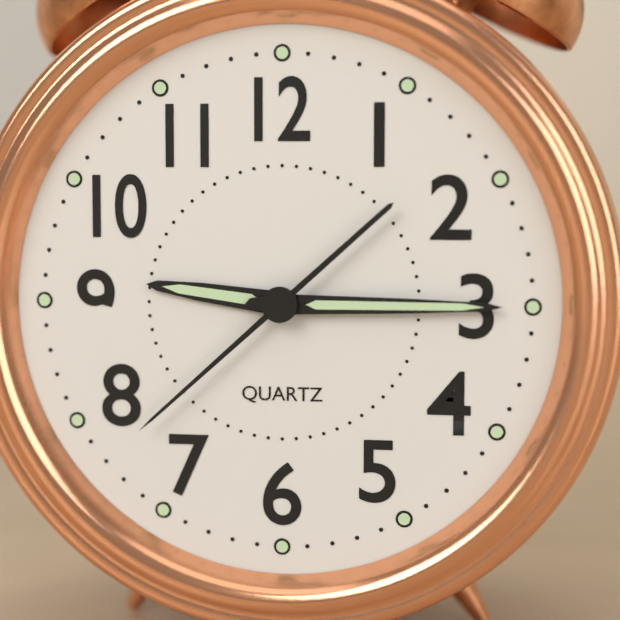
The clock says 9:15:38
